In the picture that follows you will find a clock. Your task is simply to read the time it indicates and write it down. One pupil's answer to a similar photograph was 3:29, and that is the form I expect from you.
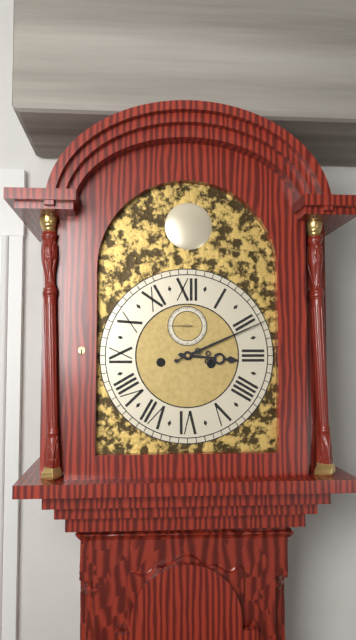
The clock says 3:11
